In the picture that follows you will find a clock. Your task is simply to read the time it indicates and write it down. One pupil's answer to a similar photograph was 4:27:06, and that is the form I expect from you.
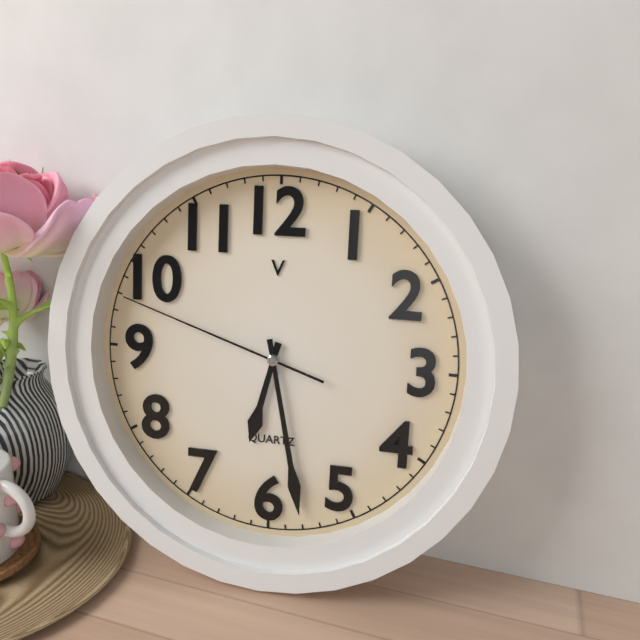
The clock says 6:28:48
